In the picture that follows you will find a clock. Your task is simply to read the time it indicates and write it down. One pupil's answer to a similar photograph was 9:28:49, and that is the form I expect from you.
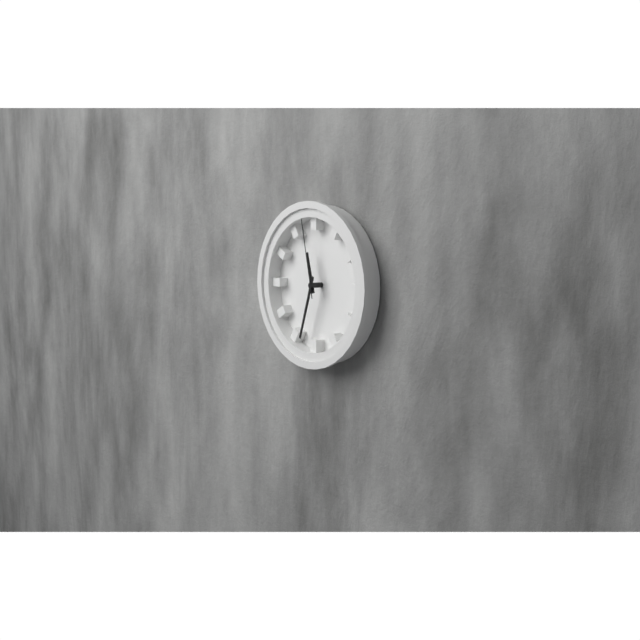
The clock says 11:33:58
